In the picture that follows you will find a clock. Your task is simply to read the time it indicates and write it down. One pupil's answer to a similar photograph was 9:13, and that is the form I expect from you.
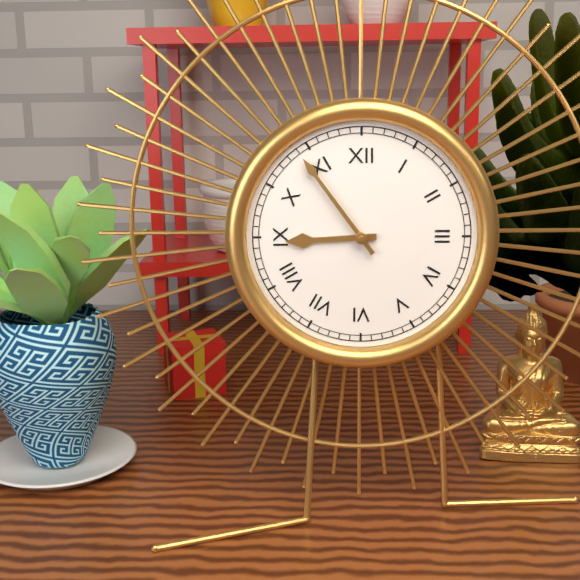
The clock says 8:54
